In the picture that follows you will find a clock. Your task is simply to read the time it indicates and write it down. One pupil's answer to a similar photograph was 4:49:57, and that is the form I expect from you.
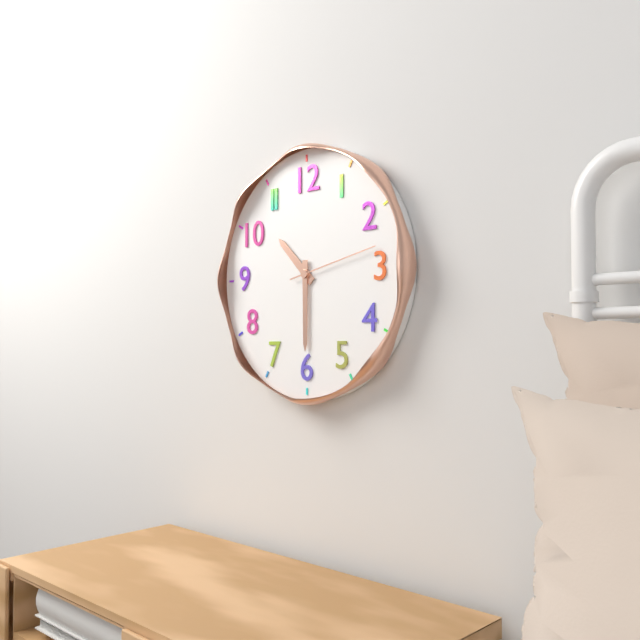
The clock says 10:30:13
